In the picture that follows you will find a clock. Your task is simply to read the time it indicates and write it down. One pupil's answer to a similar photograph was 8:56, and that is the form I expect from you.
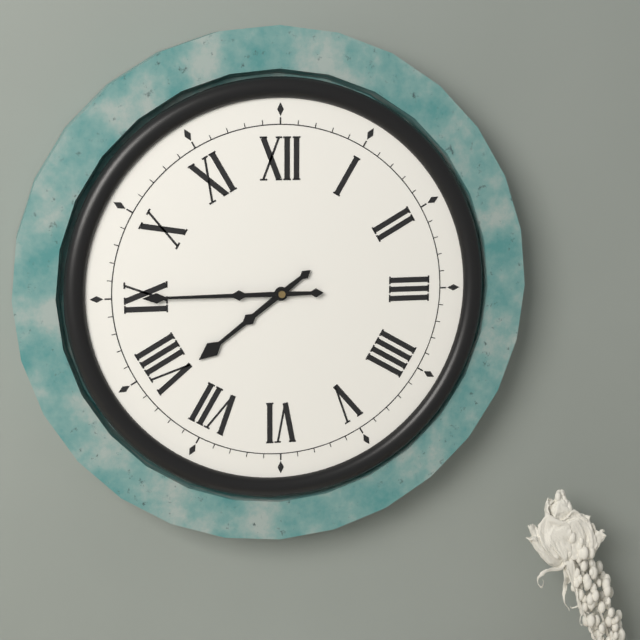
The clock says 7:45
